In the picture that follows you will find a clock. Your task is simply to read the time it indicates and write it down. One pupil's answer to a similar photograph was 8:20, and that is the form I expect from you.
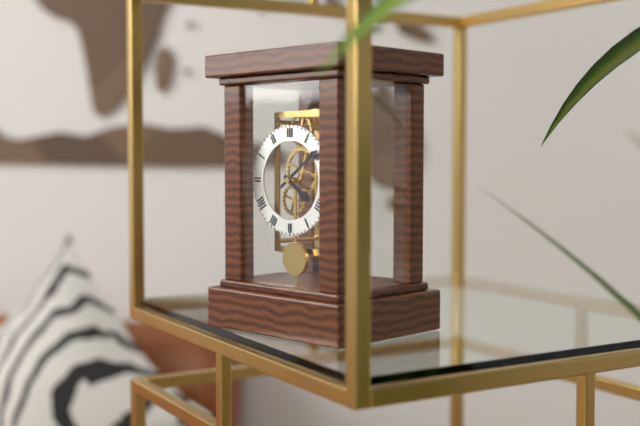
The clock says 4:09
